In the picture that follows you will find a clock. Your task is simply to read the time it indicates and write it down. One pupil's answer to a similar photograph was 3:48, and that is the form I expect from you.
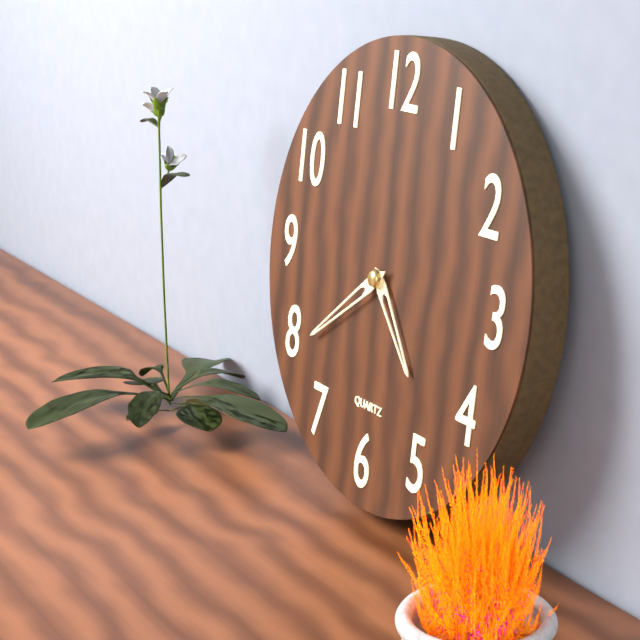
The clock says 4:39
